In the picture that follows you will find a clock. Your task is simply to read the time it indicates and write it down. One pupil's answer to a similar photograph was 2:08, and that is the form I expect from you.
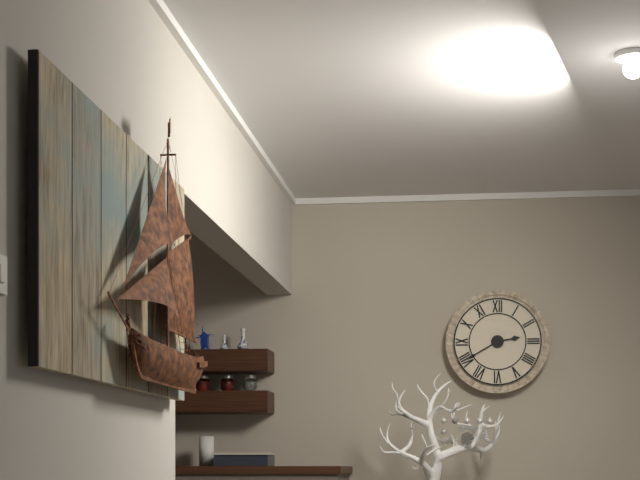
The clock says 2:40
